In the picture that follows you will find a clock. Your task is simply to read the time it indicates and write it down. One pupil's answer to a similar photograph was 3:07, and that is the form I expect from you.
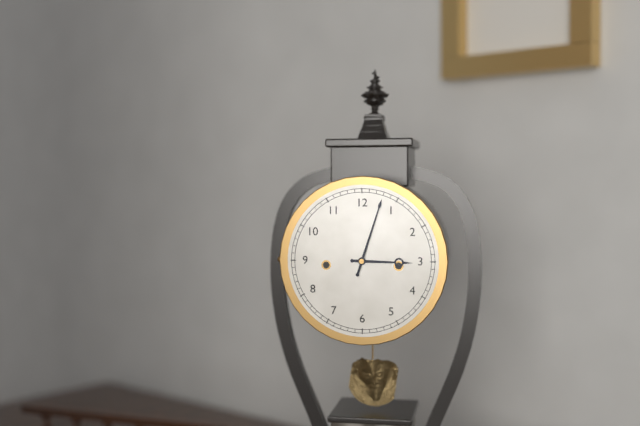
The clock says 3:03
